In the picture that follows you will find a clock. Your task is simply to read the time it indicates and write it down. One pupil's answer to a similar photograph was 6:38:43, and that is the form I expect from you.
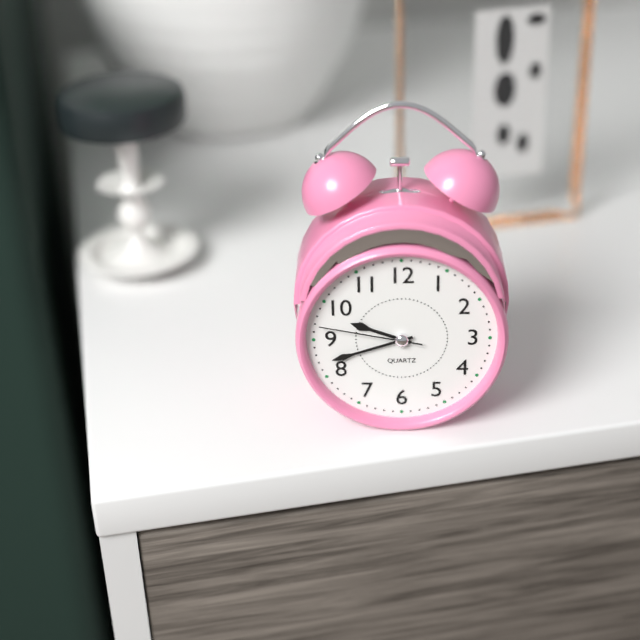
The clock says 9:42:47
